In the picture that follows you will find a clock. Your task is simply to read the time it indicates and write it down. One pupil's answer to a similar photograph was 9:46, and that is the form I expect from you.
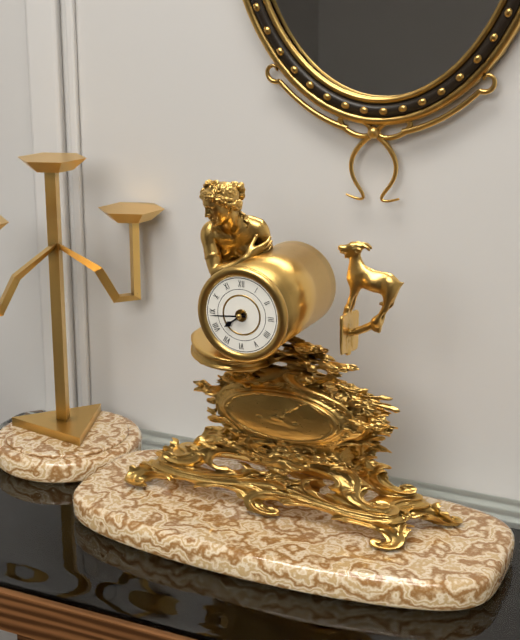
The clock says 7:44
